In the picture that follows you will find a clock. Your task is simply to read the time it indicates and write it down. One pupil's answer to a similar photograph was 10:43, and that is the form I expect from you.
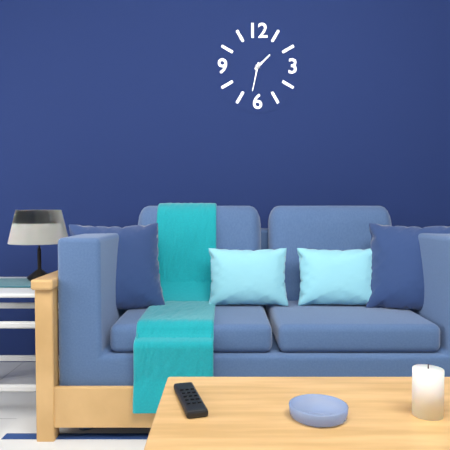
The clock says 1:32
